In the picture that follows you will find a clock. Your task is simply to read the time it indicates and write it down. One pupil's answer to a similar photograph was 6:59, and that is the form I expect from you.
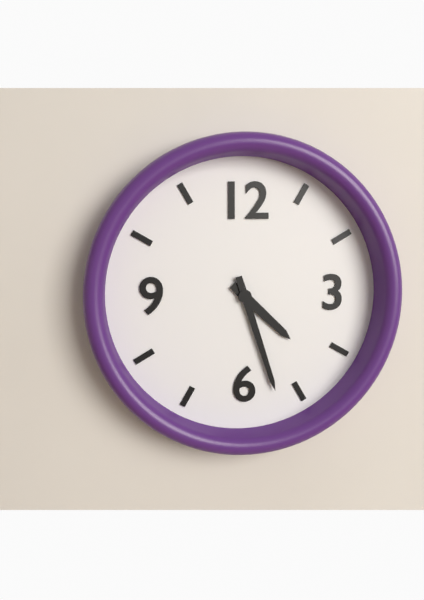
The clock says 4:27
